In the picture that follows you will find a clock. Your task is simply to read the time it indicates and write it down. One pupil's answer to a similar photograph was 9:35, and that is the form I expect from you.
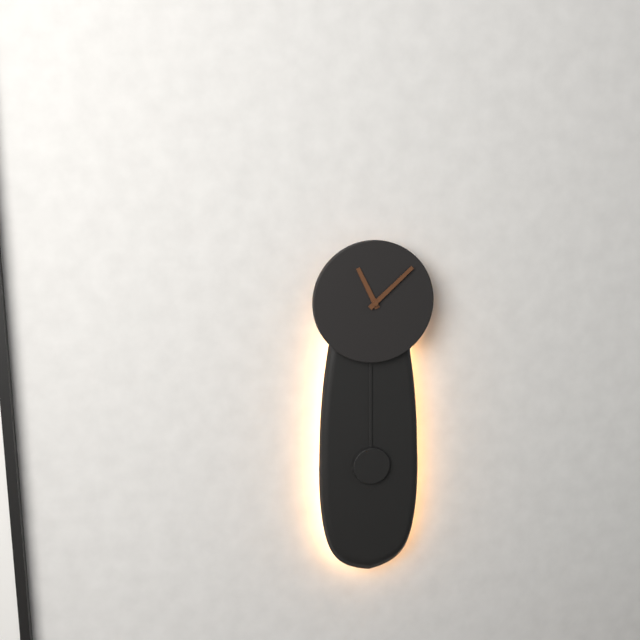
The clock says 11:08
